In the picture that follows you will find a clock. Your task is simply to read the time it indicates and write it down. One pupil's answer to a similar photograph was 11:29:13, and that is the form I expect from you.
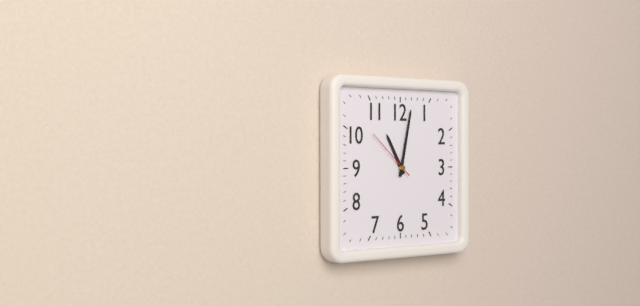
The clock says 11:02:52
